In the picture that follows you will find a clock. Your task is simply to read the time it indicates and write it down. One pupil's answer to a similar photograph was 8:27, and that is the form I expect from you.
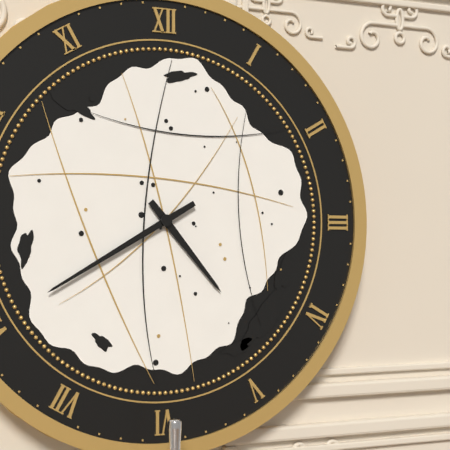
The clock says 4:40
